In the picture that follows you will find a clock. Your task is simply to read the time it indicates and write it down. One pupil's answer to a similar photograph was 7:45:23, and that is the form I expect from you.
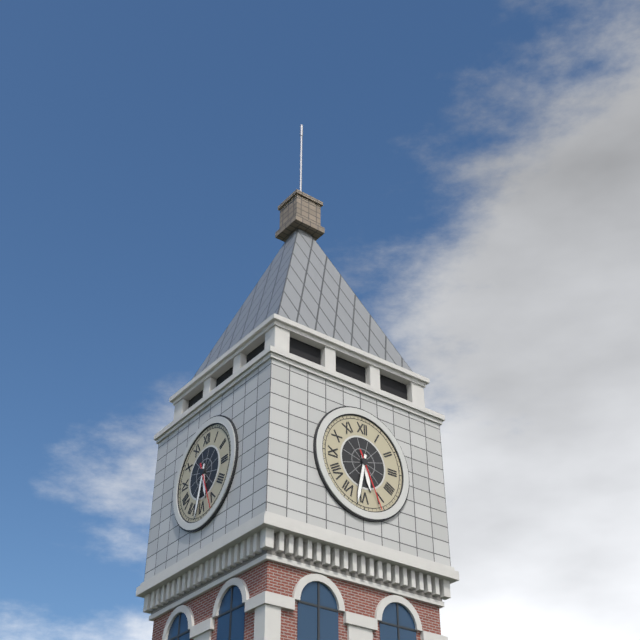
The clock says 5:32:26
